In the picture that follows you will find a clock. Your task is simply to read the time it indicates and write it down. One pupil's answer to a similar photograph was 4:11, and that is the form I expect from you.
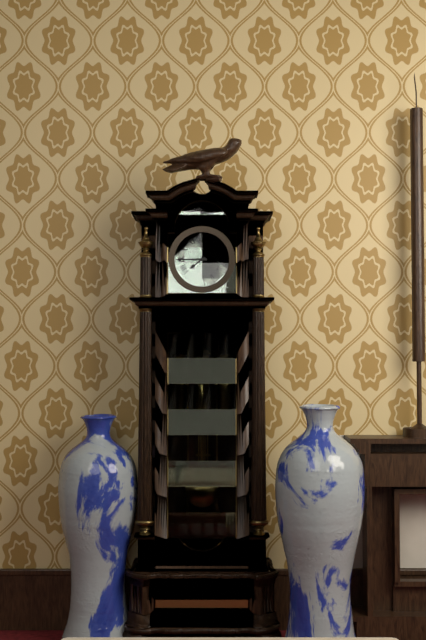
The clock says 7:45
